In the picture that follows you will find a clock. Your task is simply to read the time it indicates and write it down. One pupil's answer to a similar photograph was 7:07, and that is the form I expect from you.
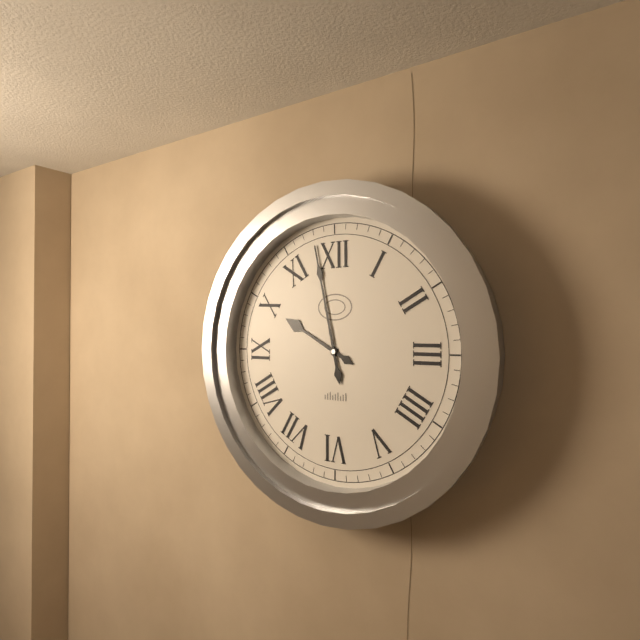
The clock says 9:58
